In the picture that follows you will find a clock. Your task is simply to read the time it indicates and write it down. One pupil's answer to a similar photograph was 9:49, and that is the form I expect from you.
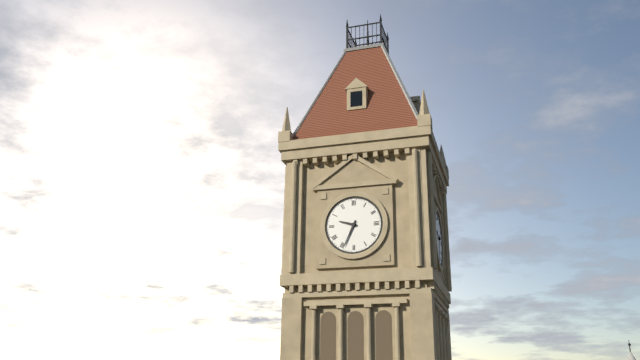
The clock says 9:34
